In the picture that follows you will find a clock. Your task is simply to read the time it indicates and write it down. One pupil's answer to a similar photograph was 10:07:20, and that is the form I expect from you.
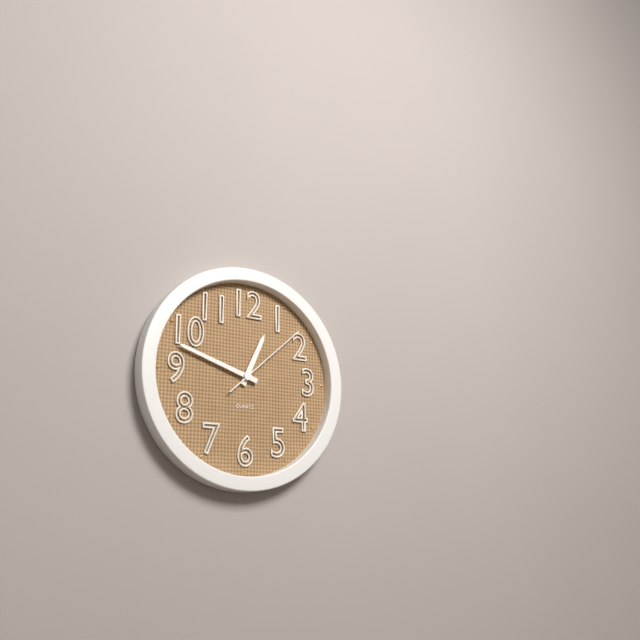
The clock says 12:48:08
